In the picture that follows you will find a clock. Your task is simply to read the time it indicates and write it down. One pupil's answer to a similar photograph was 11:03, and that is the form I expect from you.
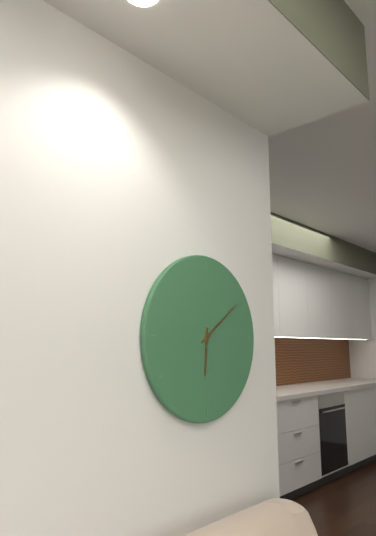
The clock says 6:09
